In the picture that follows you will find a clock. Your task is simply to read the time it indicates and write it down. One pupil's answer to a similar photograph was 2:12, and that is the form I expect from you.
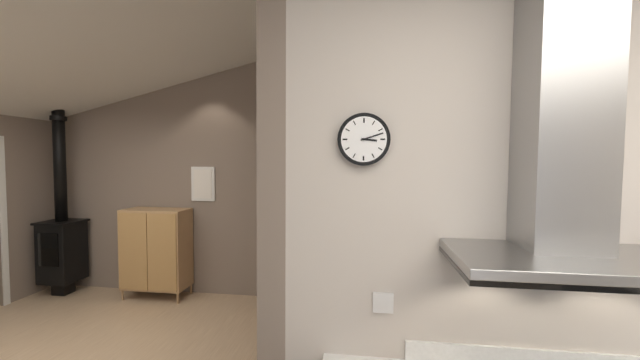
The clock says 3:12
